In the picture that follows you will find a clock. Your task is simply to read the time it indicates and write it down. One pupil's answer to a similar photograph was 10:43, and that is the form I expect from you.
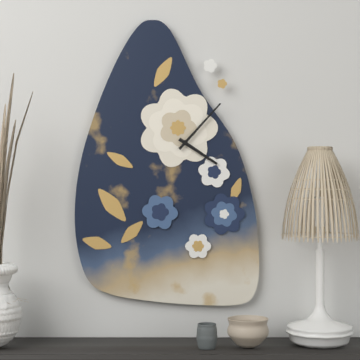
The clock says 4:07
